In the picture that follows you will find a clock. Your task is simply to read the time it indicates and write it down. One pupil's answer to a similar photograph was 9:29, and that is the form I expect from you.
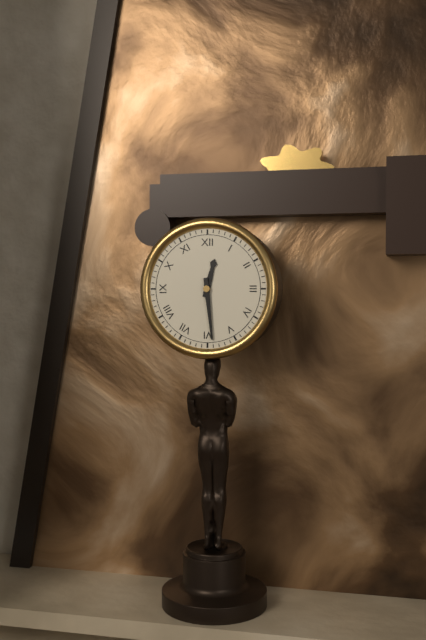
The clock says 12:29
